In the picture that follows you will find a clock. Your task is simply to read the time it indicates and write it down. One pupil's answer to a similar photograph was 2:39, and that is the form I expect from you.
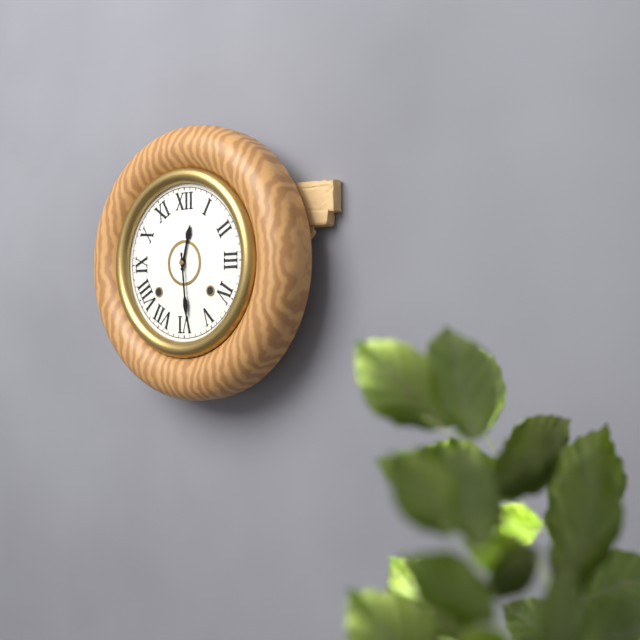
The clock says 12:29
